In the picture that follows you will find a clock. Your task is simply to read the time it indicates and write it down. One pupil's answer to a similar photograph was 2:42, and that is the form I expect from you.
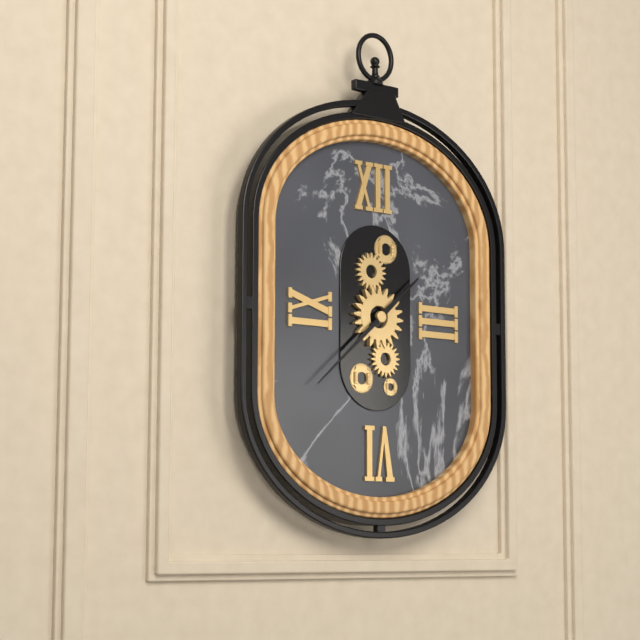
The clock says 1:38
